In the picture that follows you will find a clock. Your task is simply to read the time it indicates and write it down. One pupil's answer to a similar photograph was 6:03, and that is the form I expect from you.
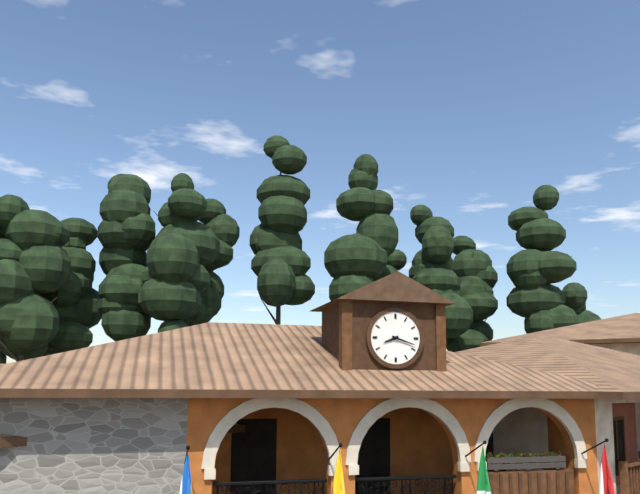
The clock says 8:18
